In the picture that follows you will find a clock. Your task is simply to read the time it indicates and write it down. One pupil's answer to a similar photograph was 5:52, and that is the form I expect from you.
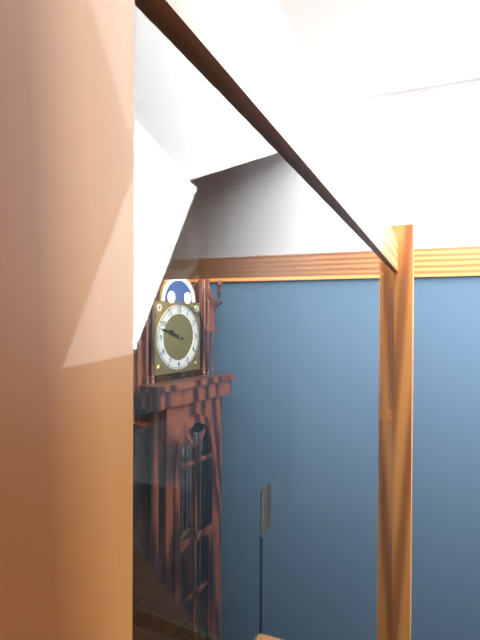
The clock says 9:48
